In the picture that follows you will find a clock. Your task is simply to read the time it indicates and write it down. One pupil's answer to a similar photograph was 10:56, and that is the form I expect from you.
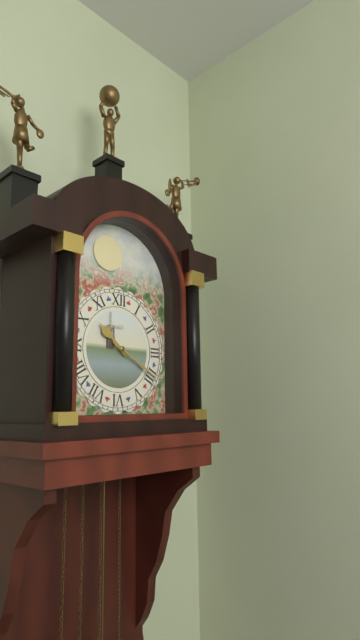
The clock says 10:20
